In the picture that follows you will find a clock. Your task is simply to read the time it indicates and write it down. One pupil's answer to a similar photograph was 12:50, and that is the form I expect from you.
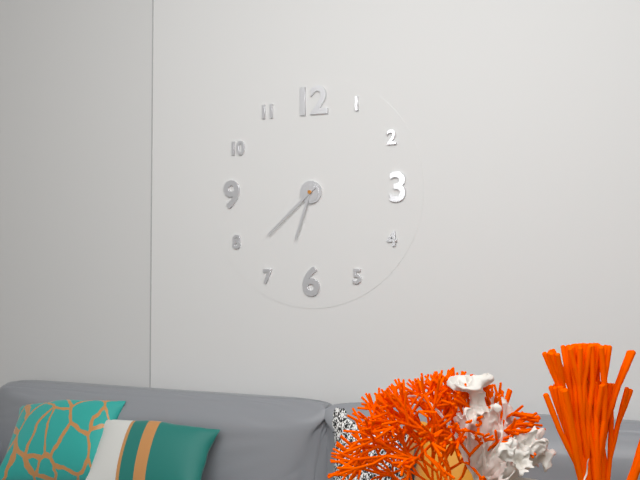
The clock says 6:38
